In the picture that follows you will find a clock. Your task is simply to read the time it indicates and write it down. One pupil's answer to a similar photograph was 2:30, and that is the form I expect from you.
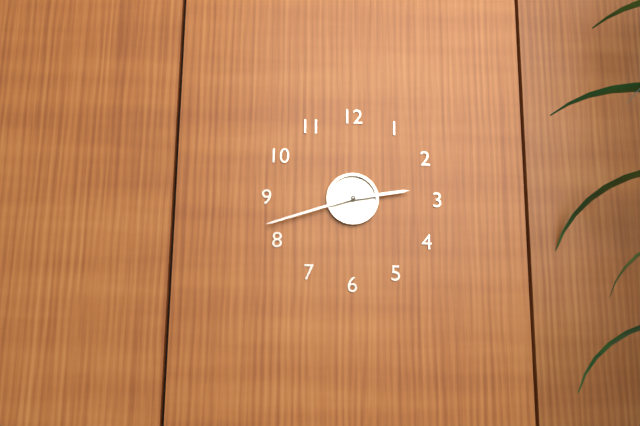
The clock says 2:42
